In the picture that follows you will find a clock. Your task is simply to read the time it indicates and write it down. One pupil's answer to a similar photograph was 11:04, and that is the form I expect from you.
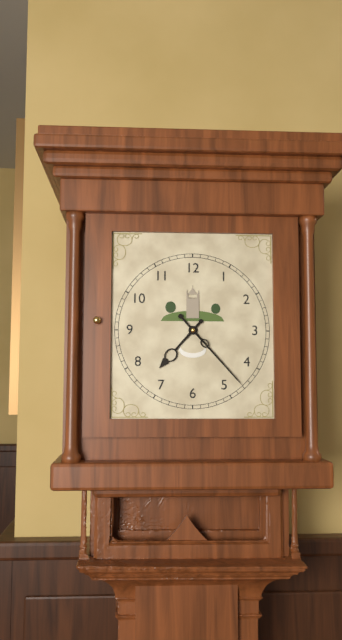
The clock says 7:23
